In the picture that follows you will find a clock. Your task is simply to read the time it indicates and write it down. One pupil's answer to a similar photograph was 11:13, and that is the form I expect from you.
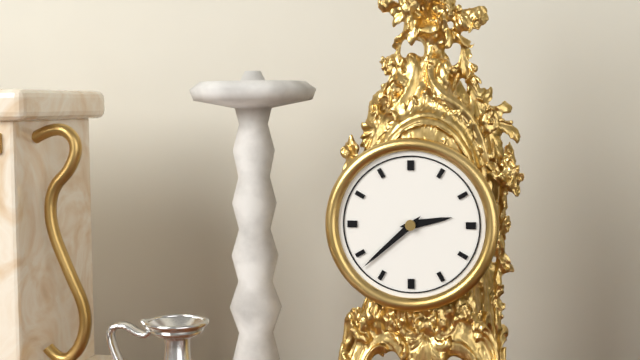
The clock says 2:38
